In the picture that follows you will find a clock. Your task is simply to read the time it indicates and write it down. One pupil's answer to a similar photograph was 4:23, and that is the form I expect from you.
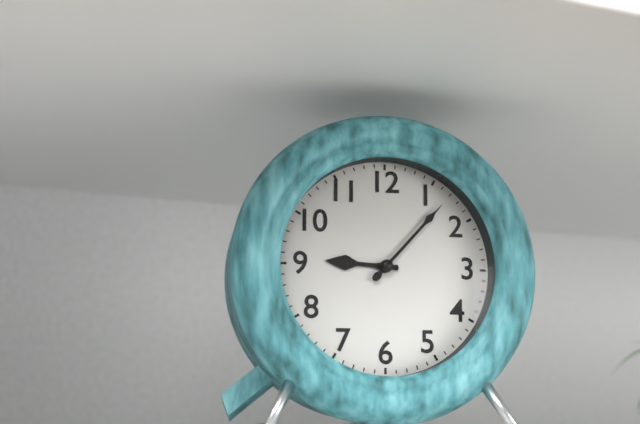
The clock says 9:07
